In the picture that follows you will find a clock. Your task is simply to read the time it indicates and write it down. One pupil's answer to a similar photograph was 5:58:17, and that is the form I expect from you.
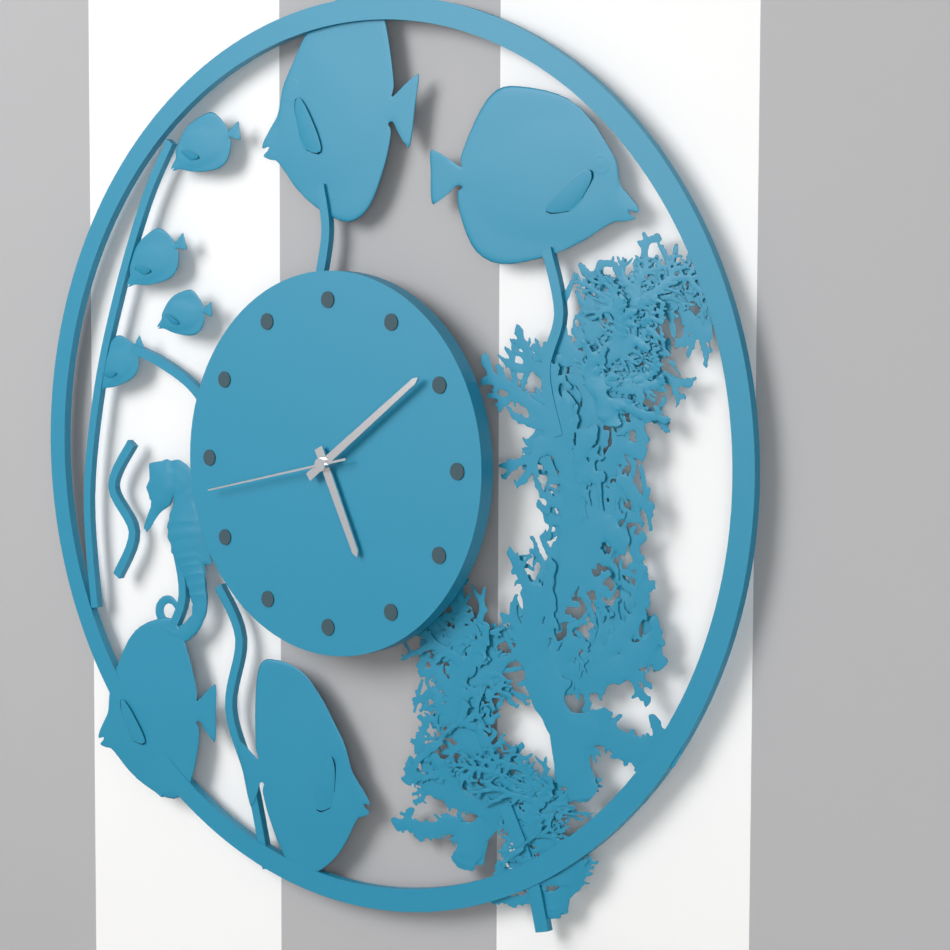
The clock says 5:09:43
